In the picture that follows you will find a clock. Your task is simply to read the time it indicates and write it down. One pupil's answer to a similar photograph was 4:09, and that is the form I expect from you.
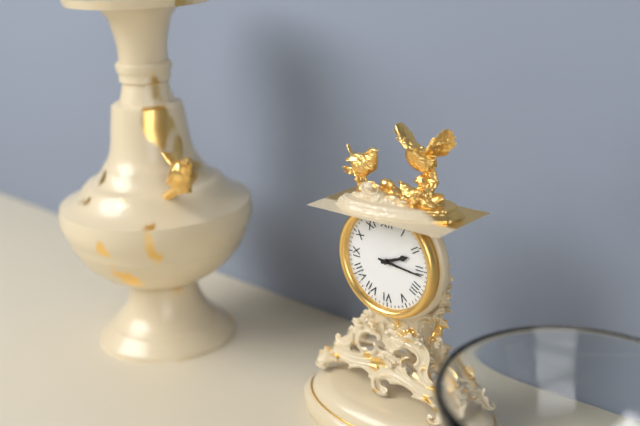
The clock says 2:16
